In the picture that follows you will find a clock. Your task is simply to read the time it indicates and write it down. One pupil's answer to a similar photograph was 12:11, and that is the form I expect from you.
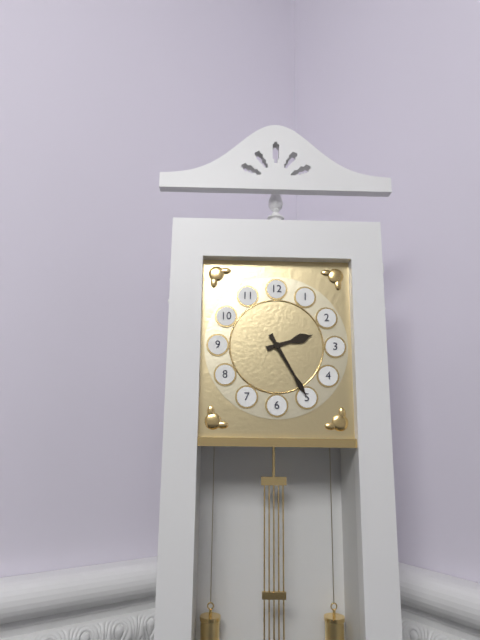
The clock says 2:25
